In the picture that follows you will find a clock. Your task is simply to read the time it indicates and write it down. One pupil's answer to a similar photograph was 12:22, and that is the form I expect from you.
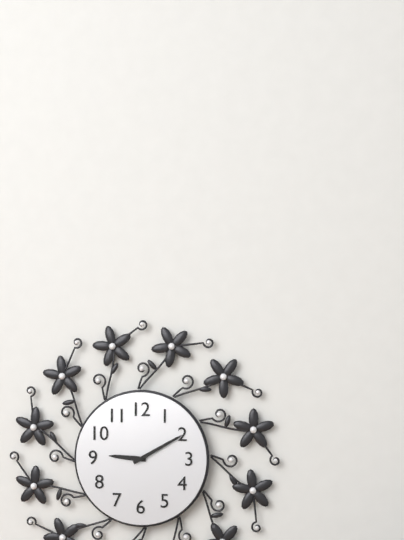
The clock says 9:10
